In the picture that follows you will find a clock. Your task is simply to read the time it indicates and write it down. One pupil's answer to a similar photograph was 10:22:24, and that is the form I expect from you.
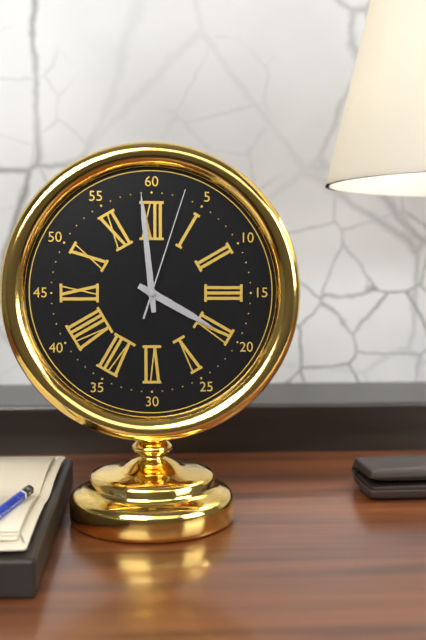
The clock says 3:59:03
